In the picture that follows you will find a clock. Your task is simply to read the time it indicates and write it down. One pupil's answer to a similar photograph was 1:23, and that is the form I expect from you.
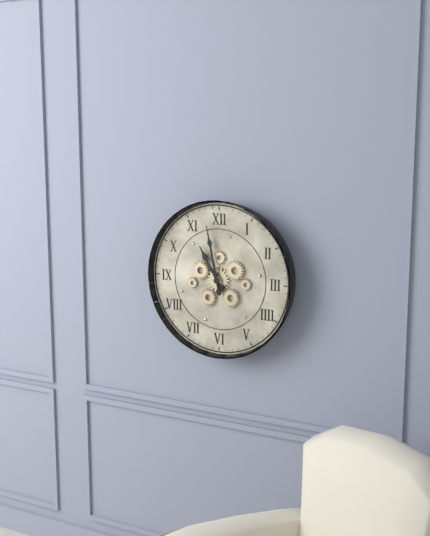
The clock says 10:58
